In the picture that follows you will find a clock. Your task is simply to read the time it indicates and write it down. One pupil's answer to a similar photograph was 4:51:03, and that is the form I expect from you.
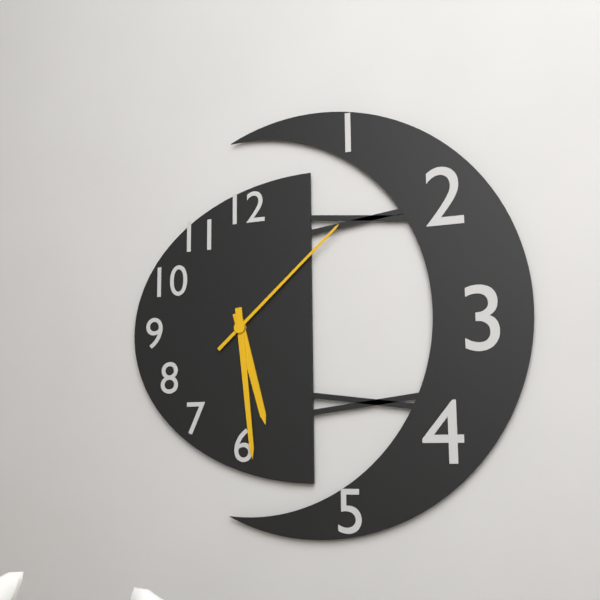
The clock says 5:29:08
